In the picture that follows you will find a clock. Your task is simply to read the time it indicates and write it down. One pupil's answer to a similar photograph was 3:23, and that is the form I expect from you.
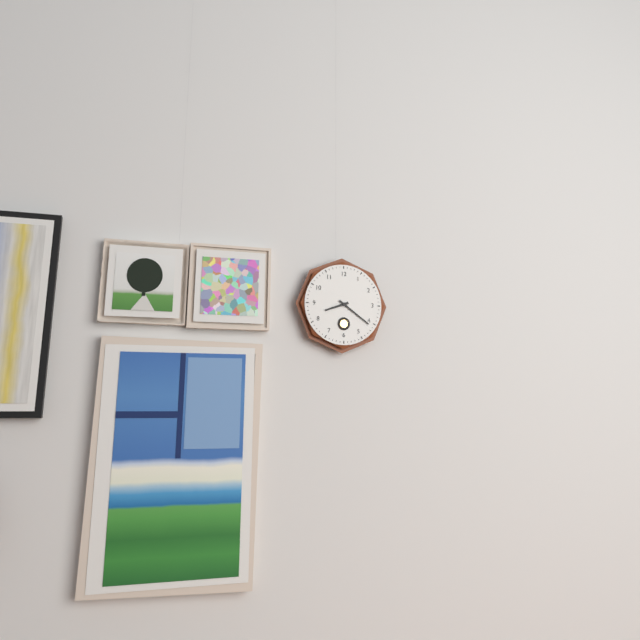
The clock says 8:21
